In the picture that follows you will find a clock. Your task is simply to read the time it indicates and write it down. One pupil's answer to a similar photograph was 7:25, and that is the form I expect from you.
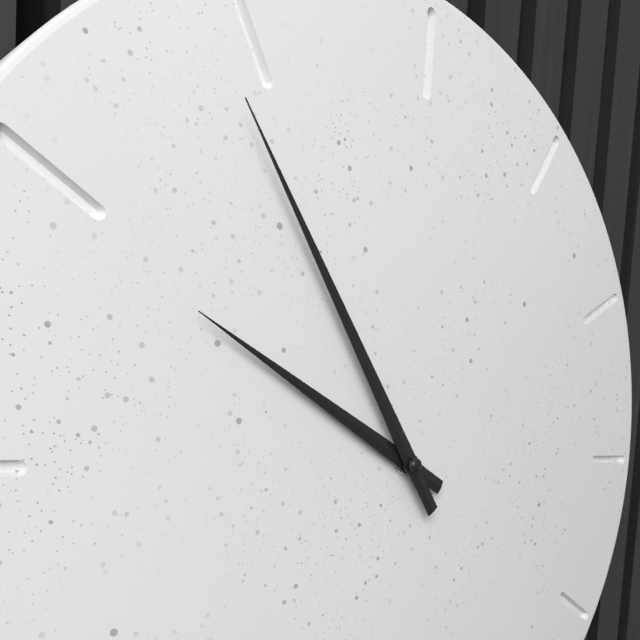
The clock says 9:54
